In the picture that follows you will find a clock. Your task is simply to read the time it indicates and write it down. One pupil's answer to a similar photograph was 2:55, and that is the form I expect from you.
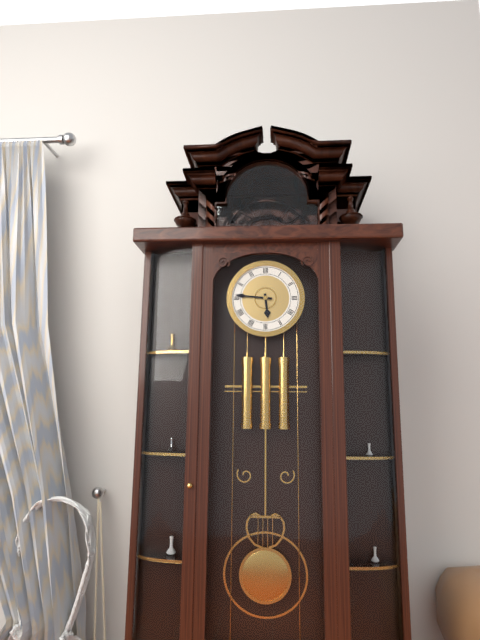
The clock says 5:46
